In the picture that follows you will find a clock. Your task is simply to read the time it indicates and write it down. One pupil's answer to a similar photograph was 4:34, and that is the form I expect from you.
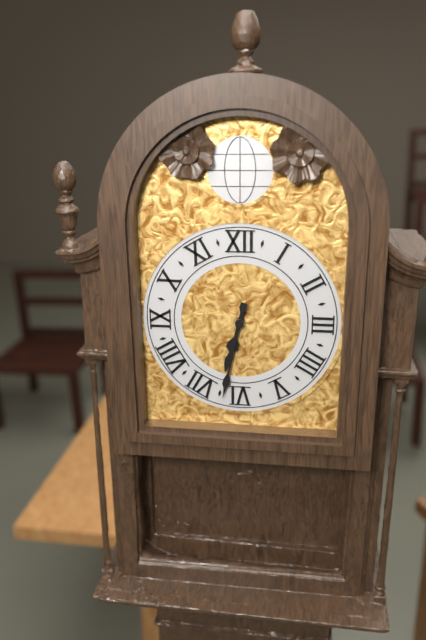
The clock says 6:32
